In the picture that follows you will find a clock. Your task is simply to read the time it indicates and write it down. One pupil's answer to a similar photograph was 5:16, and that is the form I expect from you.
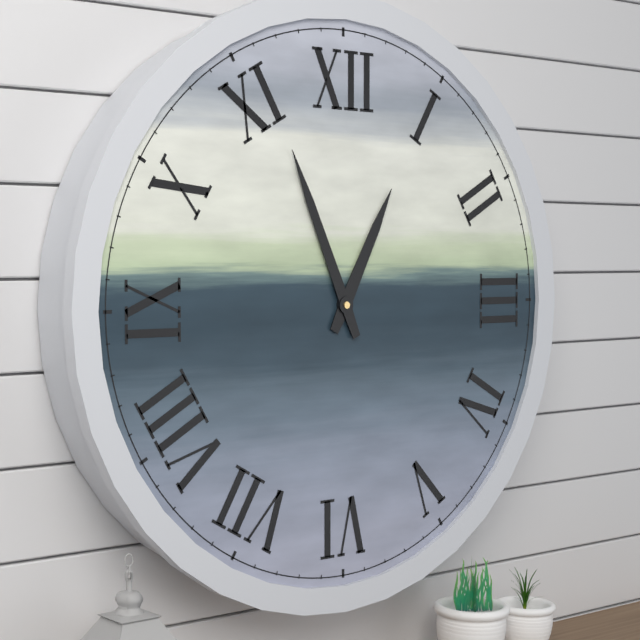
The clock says 12:56
